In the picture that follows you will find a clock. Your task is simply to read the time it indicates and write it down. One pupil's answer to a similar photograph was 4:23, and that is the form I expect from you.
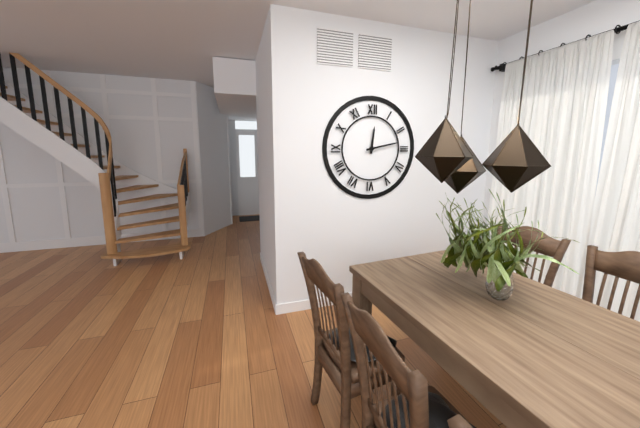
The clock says 12:13
